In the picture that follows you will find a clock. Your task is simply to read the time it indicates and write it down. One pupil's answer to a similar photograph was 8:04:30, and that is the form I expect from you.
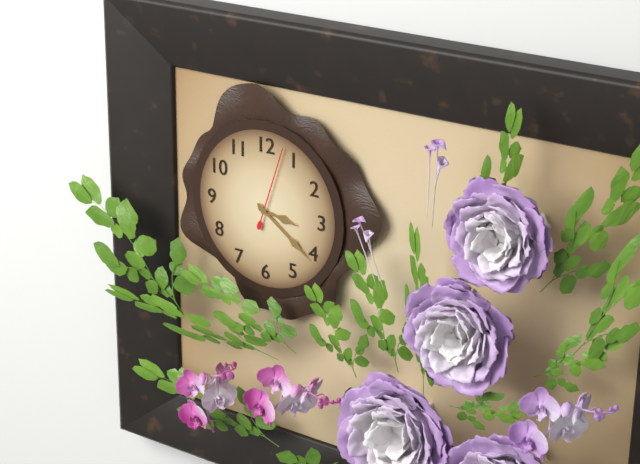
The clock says 3:21:03
